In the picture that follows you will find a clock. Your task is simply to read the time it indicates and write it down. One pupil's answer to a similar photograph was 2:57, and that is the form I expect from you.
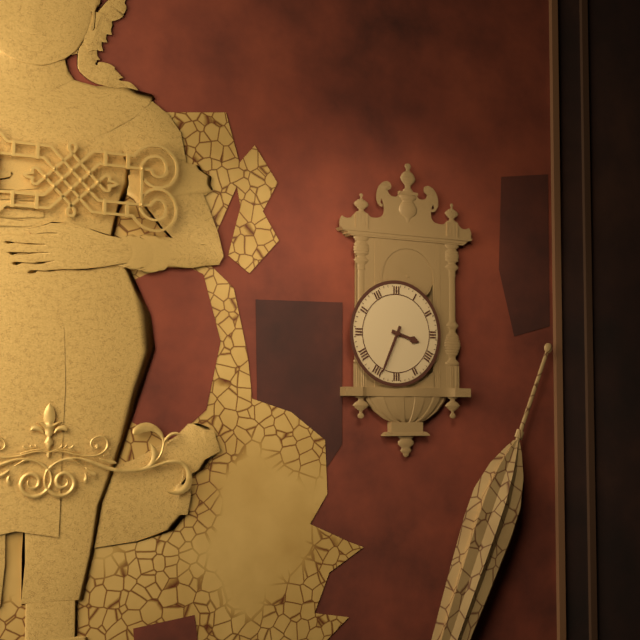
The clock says 3:34
